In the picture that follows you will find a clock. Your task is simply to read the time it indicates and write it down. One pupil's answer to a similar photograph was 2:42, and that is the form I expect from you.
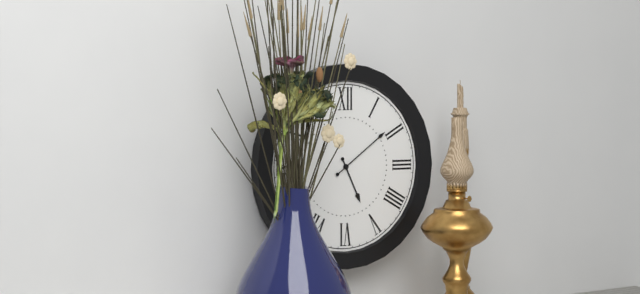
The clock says 5:09
